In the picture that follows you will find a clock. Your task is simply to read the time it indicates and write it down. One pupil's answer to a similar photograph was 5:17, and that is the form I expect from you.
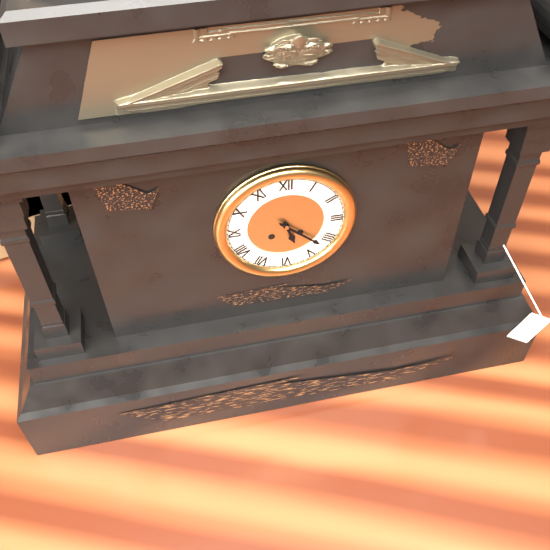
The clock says 5:22
